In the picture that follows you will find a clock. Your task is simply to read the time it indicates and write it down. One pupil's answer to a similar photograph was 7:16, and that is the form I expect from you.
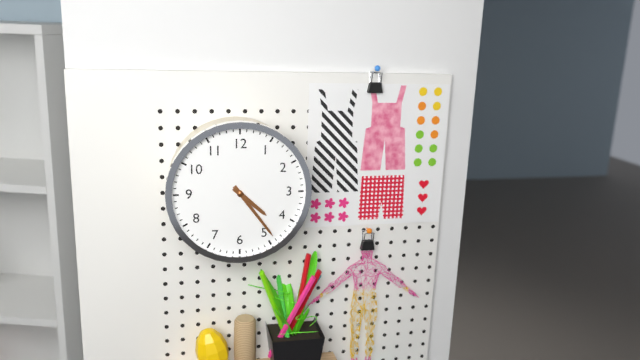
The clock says 4:24
